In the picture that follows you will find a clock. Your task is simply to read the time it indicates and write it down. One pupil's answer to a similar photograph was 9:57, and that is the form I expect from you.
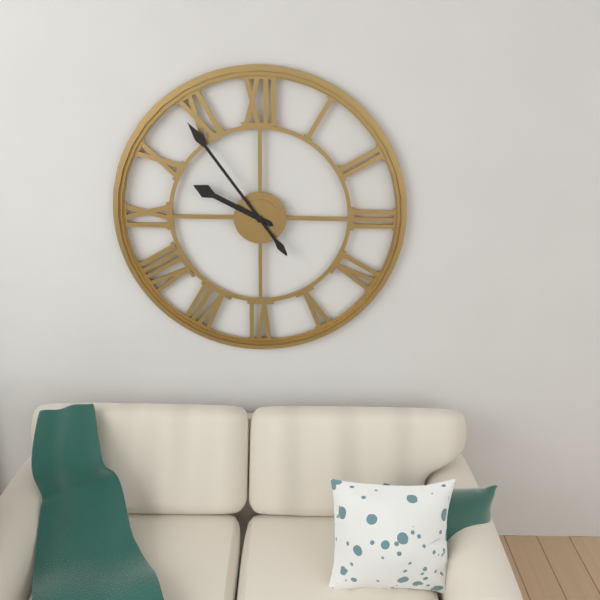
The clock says 9:54
